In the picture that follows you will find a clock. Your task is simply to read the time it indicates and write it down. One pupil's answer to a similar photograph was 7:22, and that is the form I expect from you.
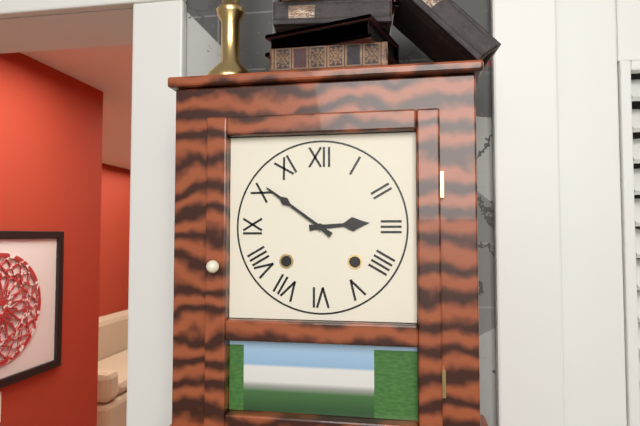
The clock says 2:51
